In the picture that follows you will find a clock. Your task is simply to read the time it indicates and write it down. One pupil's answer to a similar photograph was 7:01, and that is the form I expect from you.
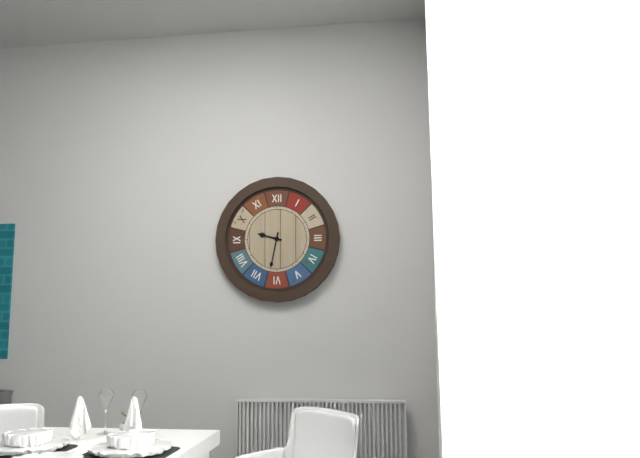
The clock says 9:32
